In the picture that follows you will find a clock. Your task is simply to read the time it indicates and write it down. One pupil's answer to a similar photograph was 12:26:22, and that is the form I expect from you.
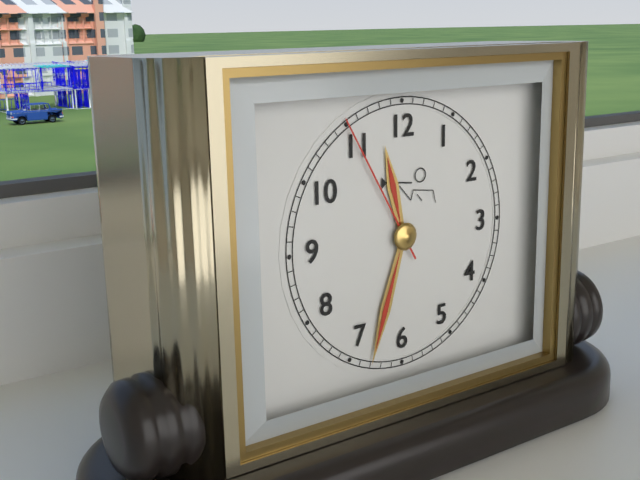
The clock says 11:33:55
